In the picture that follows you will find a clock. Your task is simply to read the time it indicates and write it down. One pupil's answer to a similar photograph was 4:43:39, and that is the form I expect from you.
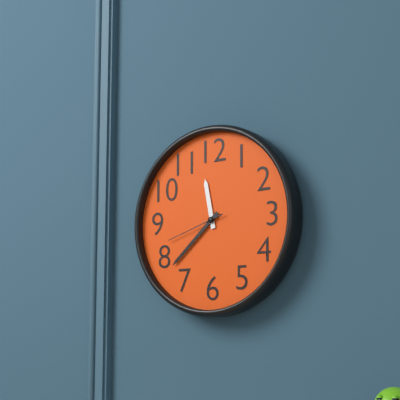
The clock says 11:38:42
